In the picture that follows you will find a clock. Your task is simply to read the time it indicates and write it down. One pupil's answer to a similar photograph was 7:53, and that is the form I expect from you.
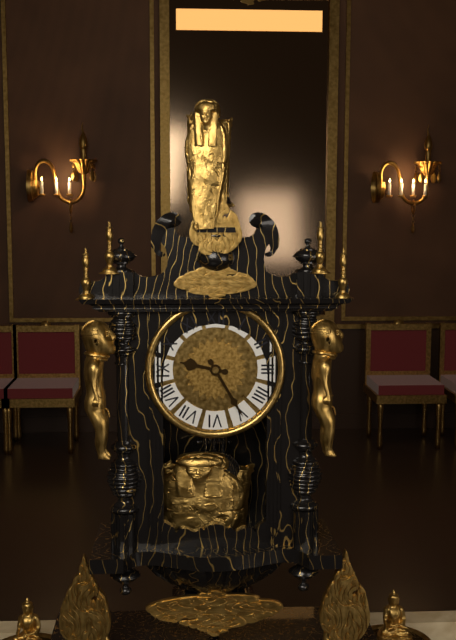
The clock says 9:25
